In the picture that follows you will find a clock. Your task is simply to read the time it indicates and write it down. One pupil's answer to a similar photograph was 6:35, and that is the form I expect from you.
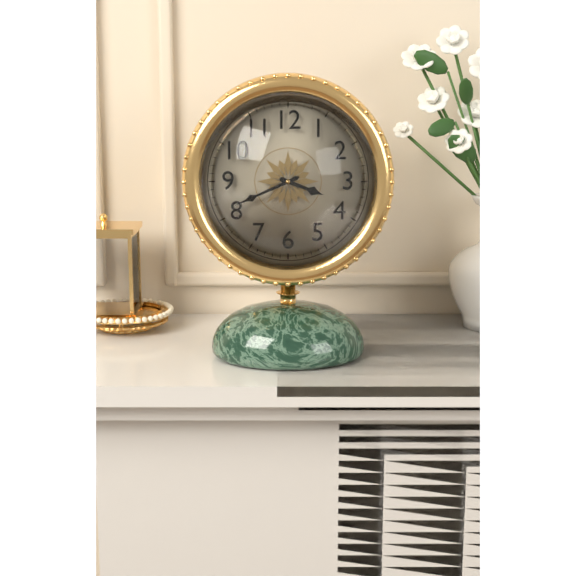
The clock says 3:41
